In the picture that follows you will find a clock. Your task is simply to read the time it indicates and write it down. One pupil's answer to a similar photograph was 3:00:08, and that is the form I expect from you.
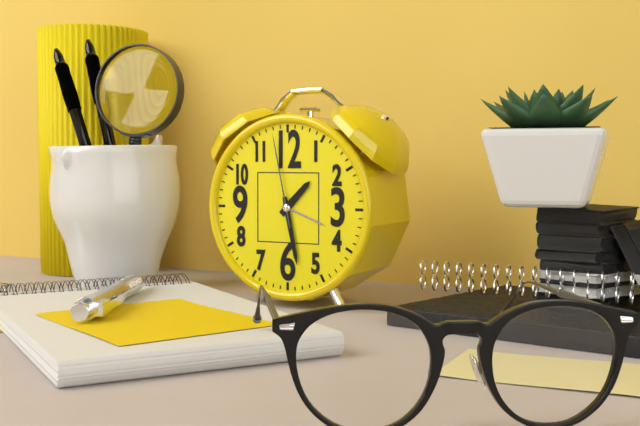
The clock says 1:28:58
